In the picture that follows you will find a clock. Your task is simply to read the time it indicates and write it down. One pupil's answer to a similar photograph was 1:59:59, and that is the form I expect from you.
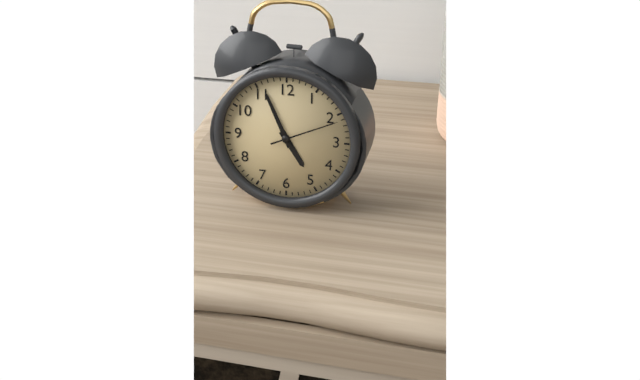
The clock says 4:56:11
